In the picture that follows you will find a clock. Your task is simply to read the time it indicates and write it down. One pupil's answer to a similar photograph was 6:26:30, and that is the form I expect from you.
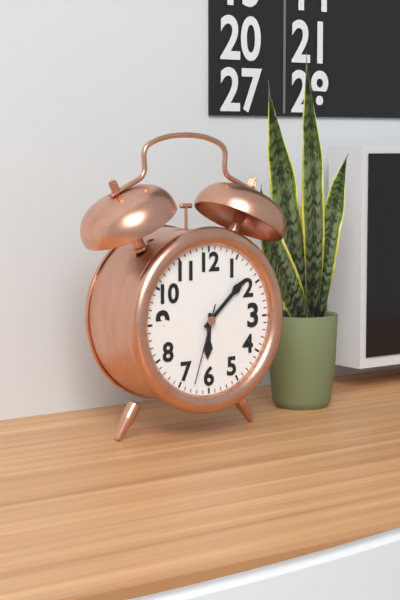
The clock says 6:08:33
